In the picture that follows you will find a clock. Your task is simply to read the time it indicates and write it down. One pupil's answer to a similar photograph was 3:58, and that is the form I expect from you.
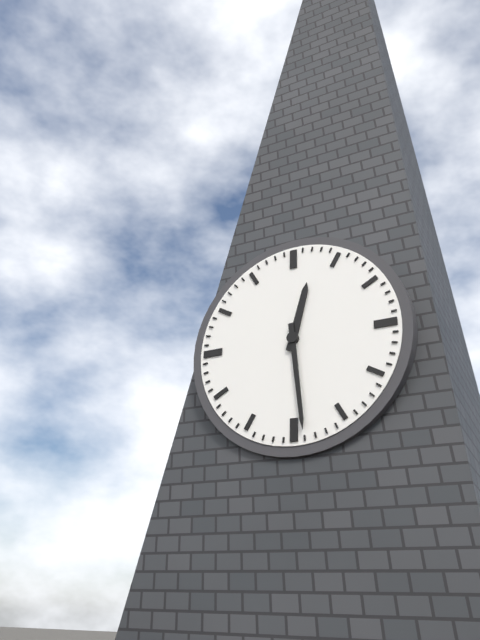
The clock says 12:29
